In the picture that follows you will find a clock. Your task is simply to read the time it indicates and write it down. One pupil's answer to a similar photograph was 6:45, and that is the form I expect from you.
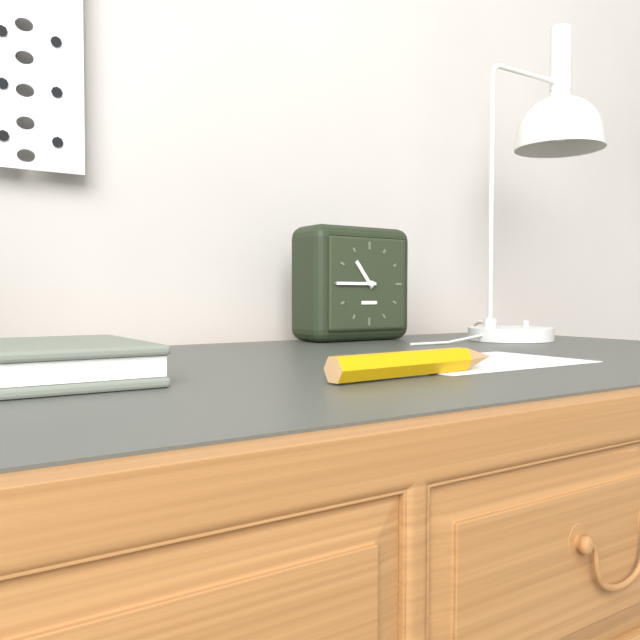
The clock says 10:45
